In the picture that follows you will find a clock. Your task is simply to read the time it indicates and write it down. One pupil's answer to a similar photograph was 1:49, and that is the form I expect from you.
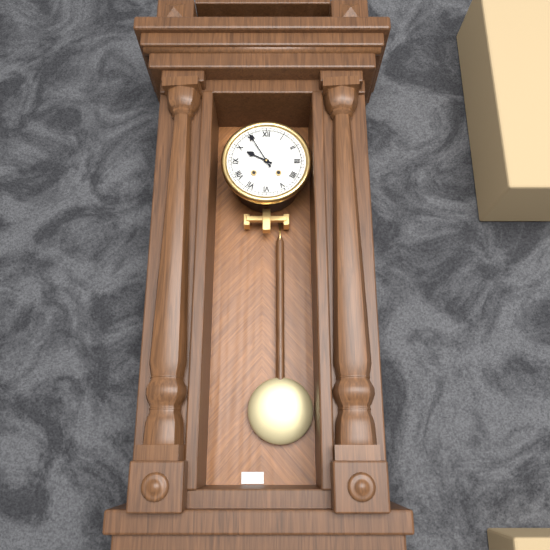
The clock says 9:55
